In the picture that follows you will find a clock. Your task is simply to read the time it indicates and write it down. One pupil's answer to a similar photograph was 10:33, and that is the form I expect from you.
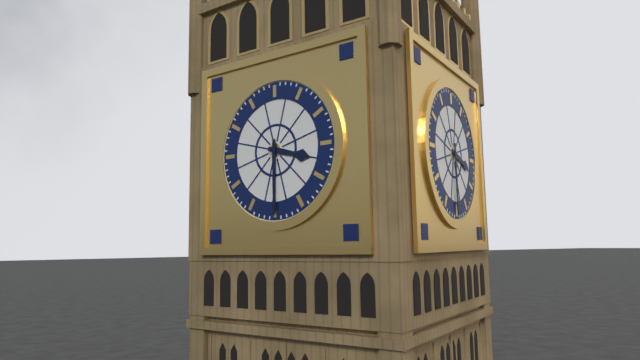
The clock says 3:30
